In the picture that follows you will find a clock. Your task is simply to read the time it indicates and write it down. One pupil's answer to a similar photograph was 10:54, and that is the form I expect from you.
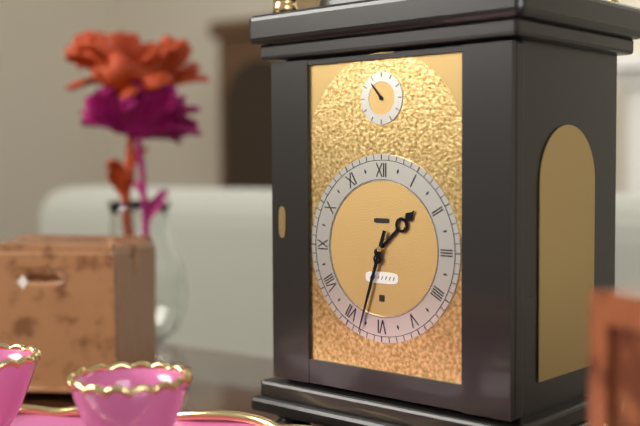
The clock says 1:33
